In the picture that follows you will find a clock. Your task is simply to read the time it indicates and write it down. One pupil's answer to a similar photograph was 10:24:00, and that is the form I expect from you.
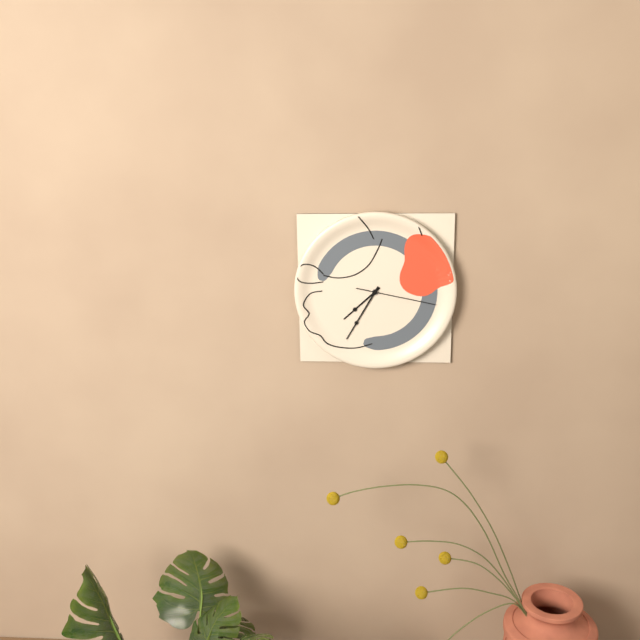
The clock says 7:35:17
